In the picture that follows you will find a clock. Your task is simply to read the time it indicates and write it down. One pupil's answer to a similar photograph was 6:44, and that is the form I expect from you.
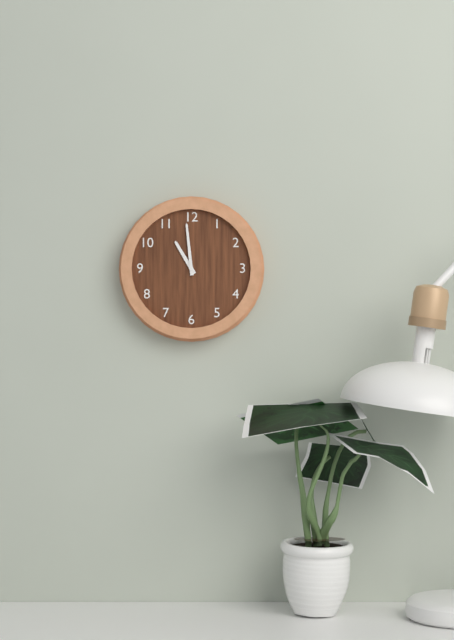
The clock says 10:59
